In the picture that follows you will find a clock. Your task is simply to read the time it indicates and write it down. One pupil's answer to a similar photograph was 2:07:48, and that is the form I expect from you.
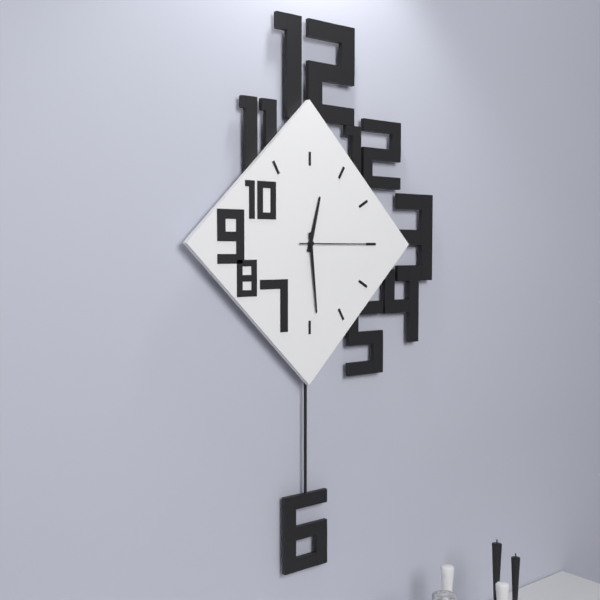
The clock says 12:29:15
